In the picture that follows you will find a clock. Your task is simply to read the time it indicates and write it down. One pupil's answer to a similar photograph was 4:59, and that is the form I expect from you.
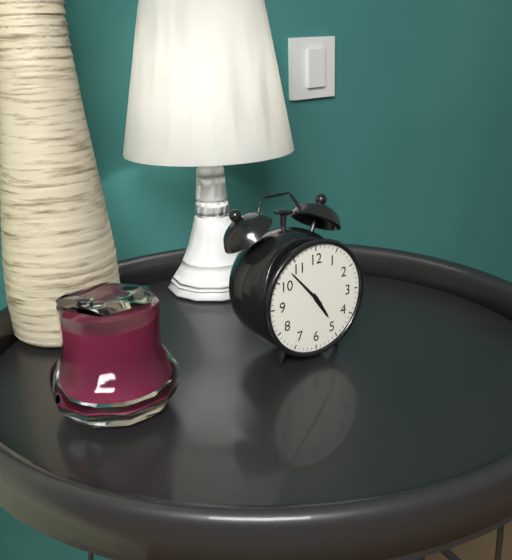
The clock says 4:53
